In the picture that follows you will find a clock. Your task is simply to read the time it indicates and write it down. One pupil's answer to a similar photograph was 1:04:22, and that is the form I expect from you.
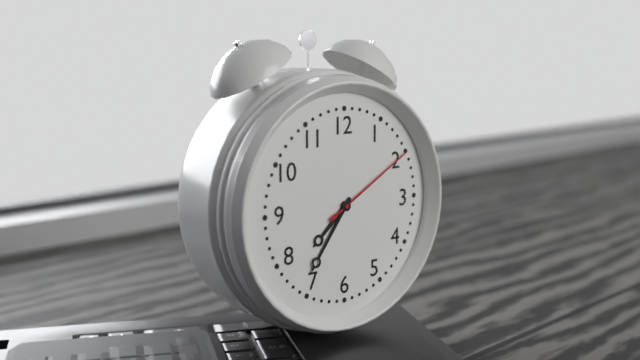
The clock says 7:36:10
